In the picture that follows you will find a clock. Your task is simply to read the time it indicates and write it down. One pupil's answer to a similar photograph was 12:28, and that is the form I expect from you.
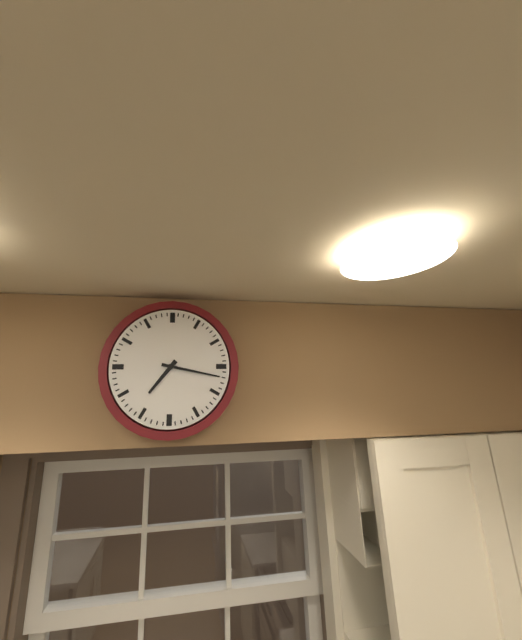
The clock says 7:17
